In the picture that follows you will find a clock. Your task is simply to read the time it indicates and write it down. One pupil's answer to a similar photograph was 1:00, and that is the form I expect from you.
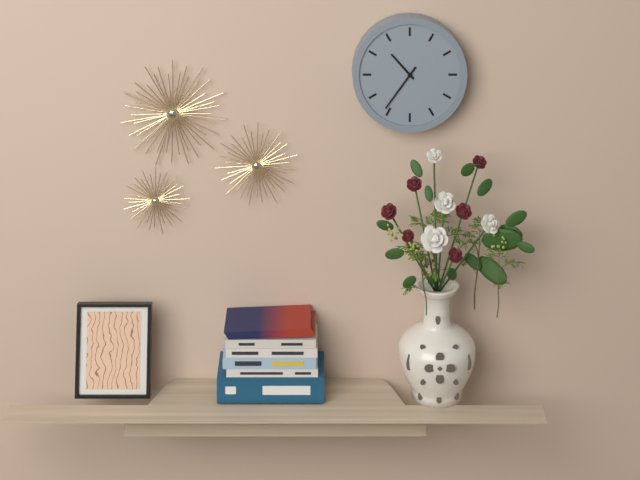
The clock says 10:36
